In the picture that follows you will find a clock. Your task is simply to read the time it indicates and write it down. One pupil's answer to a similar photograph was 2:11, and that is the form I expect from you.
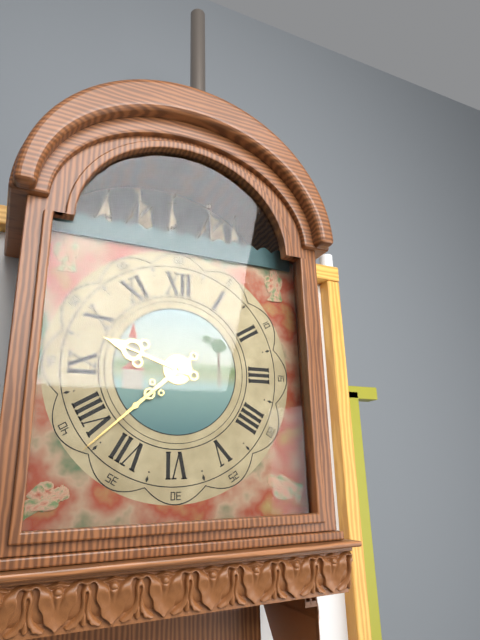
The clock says 9:38
